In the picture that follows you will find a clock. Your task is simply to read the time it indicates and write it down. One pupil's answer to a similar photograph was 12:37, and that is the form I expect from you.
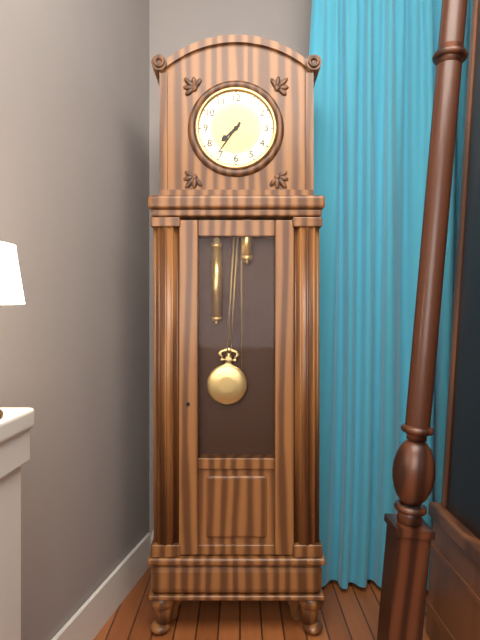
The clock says 7:36
